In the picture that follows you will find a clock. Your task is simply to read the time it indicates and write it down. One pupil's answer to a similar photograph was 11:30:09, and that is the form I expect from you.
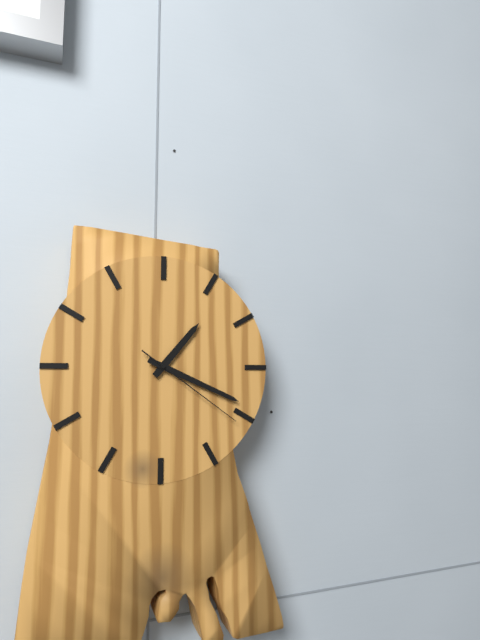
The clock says 1:19:21
